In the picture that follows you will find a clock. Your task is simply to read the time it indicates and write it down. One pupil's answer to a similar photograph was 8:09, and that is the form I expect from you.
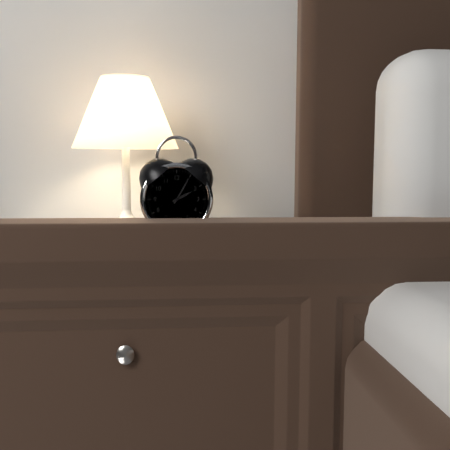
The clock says 2:05
